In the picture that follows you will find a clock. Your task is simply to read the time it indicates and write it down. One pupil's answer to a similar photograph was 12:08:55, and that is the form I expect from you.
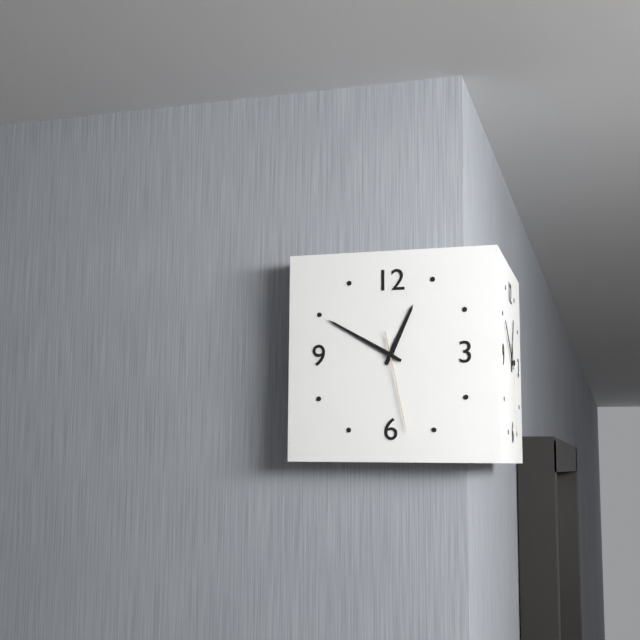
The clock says 12:50:28
